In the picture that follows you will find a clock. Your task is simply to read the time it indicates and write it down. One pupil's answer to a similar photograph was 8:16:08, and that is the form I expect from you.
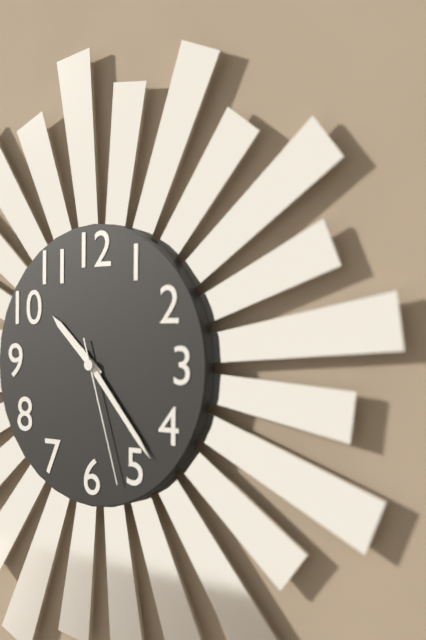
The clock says 10:23:27
